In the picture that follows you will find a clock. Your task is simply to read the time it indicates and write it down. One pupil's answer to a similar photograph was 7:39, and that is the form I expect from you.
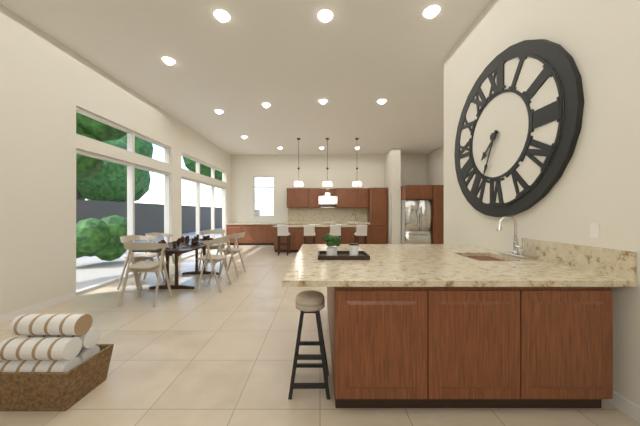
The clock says 7:34
